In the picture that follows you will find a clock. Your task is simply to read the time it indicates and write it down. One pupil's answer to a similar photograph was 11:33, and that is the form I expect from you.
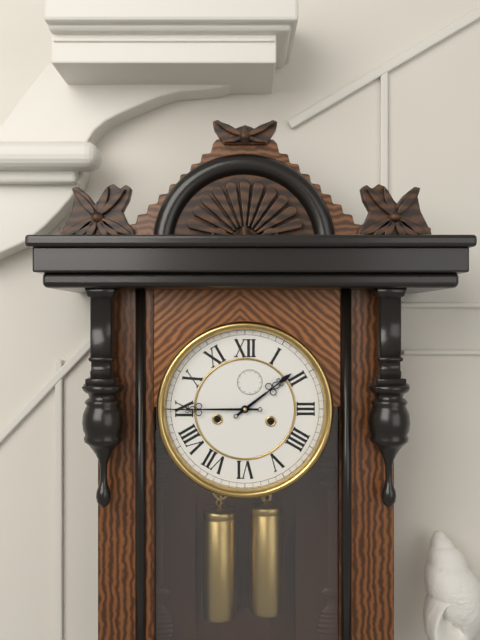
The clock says 1:45
